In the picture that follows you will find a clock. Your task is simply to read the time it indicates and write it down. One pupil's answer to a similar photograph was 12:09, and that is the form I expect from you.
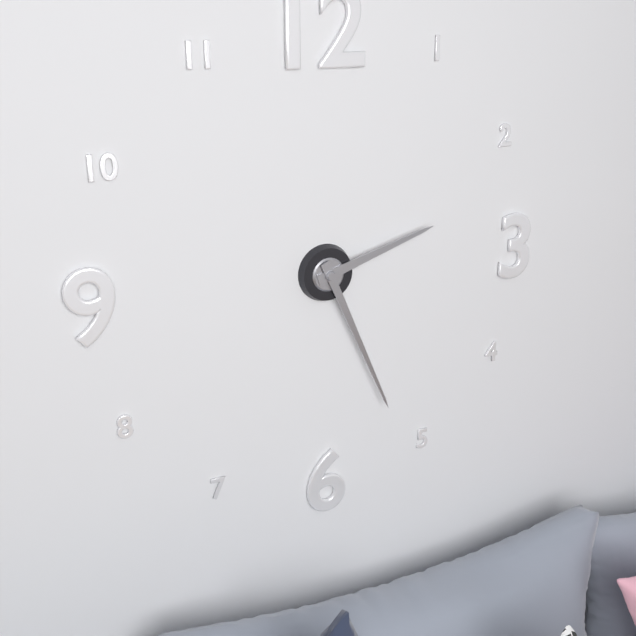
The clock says 2:26
